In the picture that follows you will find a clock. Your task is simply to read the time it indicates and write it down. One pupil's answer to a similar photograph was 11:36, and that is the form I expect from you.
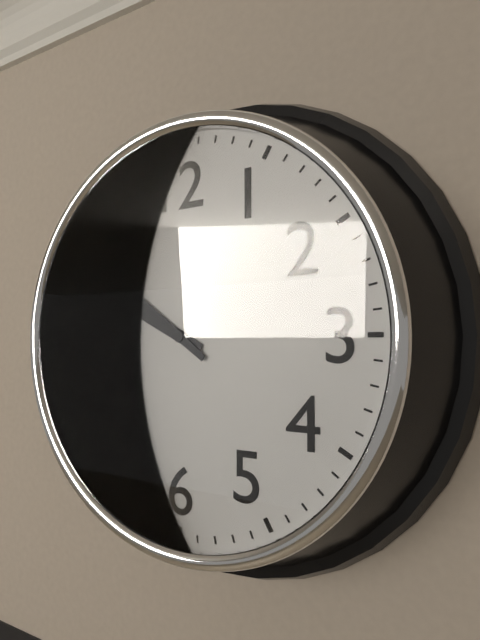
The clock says 9:51
